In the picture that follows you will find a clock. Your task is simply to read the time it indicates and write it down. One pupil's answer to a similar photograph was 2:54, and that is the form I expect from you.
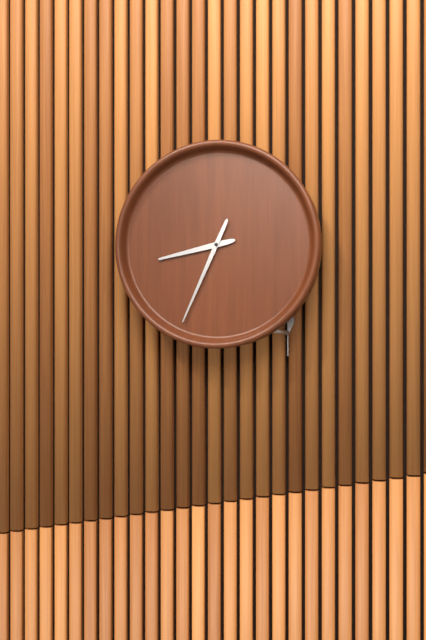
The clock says 8:34
